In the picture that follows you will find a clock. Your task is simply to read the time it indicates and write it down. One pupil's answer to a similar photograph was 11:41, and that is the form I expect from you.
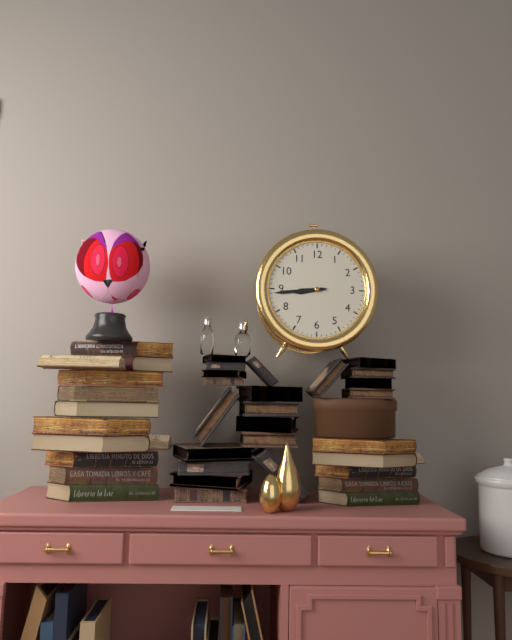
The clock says 8:44
